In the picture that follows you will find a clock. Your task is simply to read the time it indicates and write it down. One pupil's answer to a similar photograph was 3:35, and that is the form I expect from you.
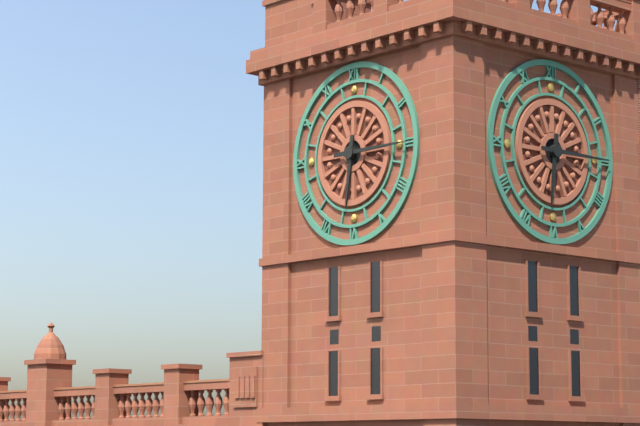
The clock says 6:15
